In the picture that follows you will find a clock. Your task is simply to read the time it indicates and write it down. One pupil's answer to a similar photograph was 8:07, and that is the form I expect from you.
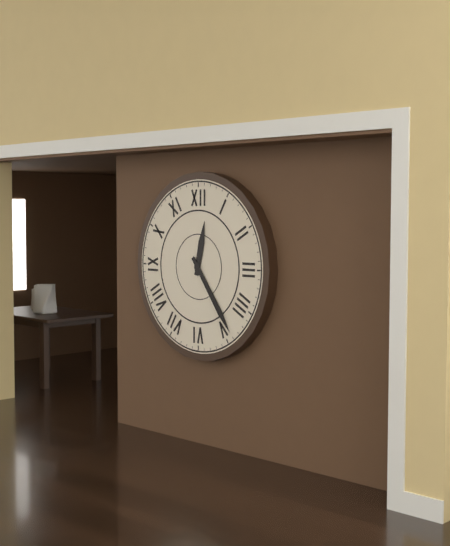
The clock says 12:24
